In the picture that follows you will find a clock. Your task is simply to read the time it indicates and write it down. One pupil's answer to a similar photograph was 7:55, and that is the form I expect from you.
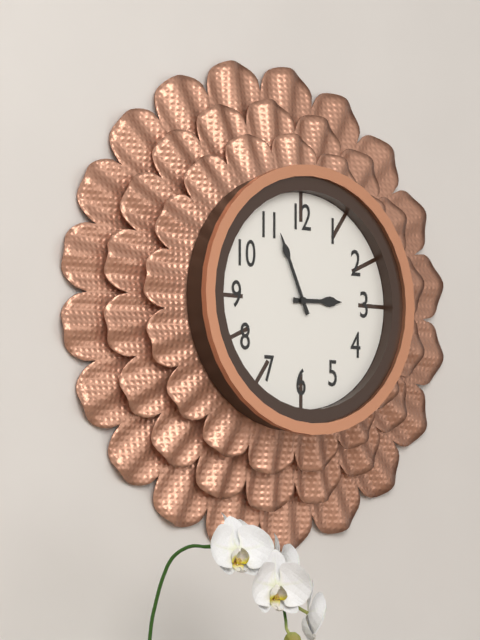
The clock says 2:56
